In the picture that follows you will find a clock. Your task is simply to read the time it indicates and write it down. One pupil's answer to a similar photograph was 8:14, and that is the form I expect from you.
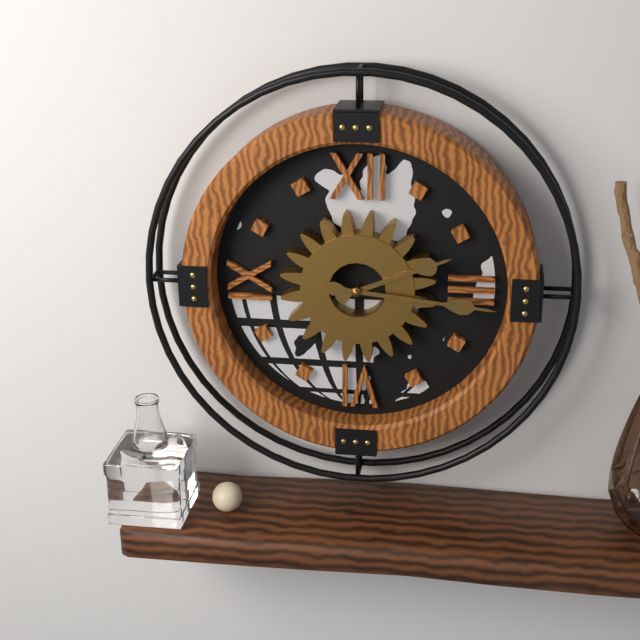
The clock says 2:16
